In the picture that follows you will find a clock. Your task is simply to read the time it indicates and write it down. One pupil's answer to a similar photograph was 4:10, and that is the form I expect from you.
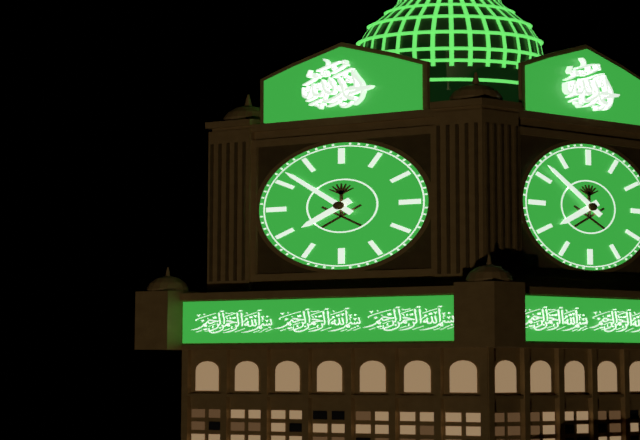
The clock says 7:52
